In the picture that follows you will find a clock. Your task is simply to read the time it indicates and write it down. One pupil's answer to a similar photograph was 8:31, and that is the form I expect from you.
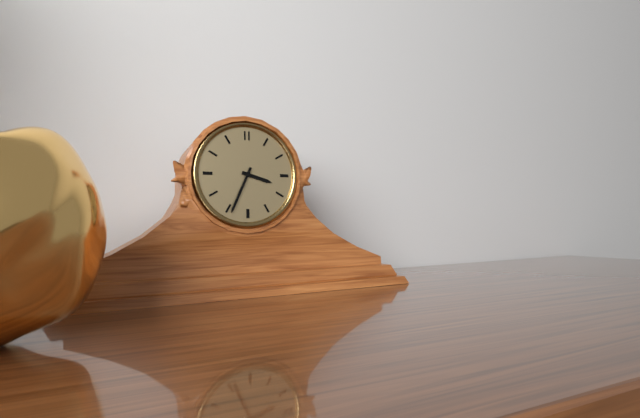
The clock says 3:34
